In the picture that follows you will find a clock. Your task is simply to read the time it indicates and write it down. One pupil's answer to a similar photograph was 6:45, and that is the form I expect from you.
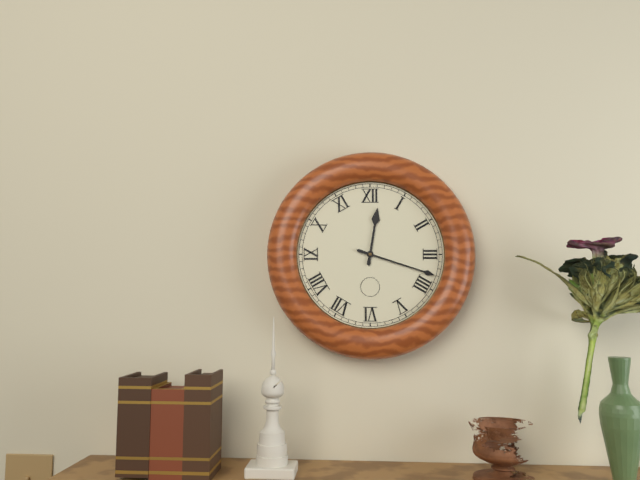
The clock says 12:18
